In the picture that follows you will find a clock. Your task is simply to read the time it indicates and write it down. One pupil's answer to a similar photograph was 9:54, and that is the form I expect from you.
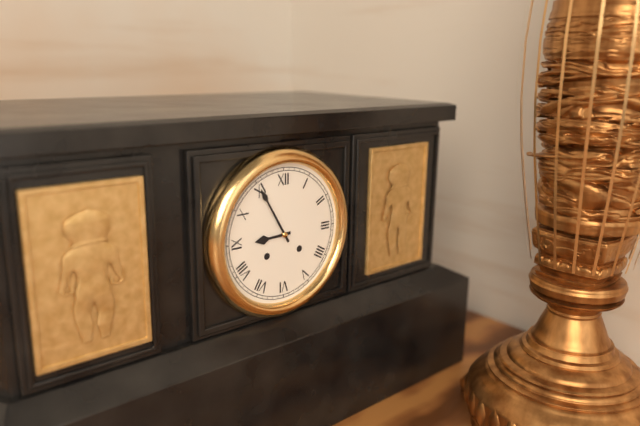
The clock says 8:55
